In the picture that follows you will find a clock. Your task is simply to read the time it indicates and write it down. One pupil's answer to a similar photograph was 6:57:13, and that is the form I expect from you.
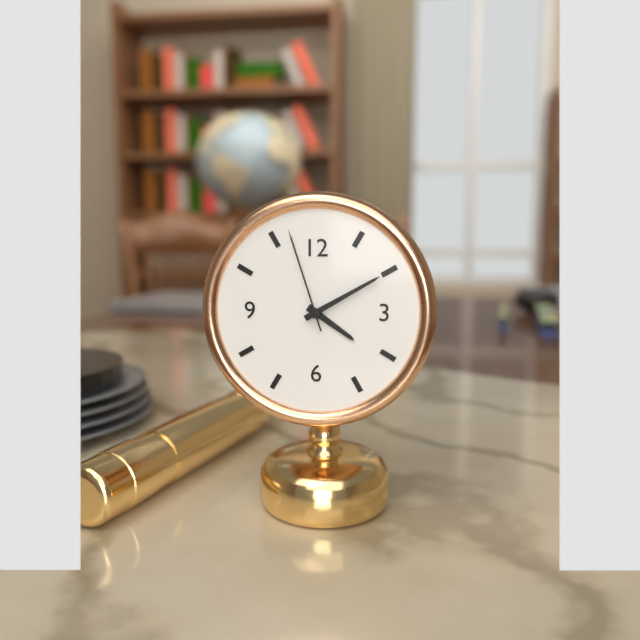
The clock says 4:10:57
